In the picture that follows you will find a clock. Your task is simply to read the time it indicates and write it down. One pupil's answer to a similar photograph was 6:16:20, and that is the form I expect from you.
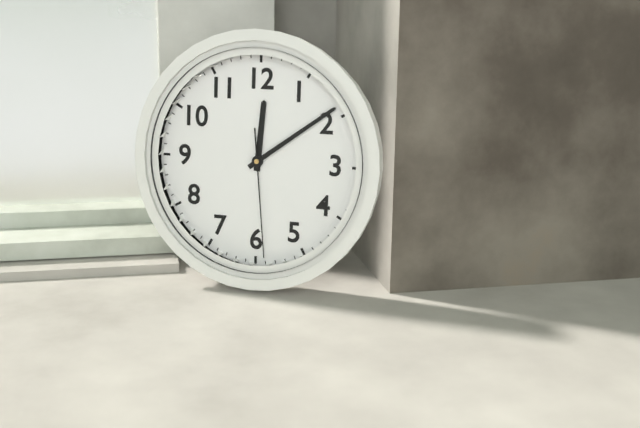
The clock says 12:09:29
